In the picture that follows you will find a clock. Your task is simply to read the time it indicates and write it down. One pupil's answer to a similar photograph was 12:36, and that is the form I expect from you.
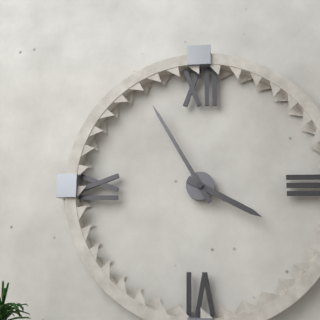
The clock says 3:55
